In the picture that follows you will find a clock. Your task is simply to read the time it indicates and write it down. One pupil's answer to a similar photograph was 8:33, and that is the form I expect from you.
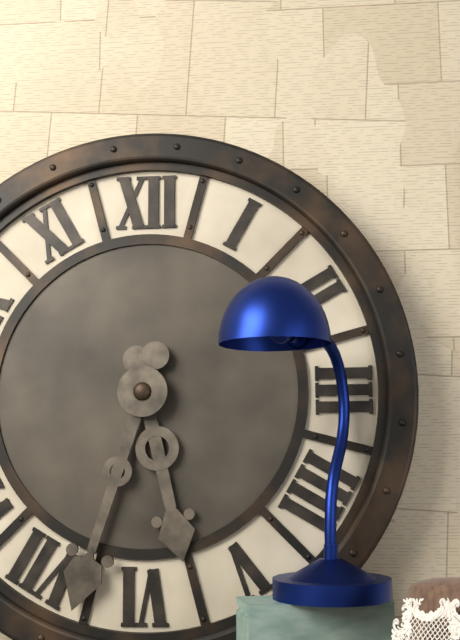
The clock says 5:33
